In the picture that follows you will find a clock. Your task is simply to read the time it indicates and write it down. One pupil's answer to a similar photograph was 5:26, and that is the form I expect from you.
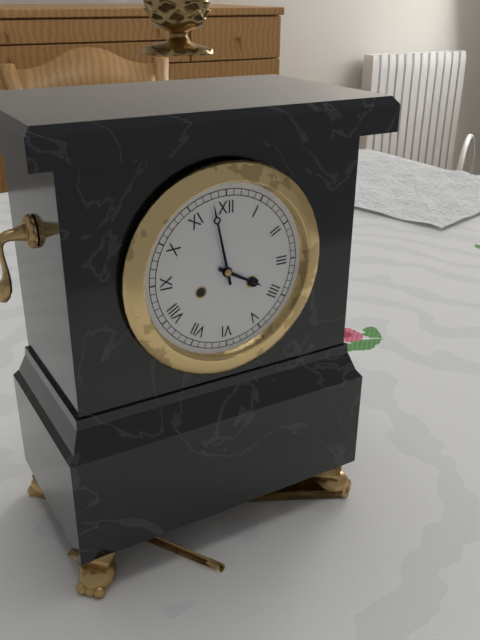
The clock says 3:58
